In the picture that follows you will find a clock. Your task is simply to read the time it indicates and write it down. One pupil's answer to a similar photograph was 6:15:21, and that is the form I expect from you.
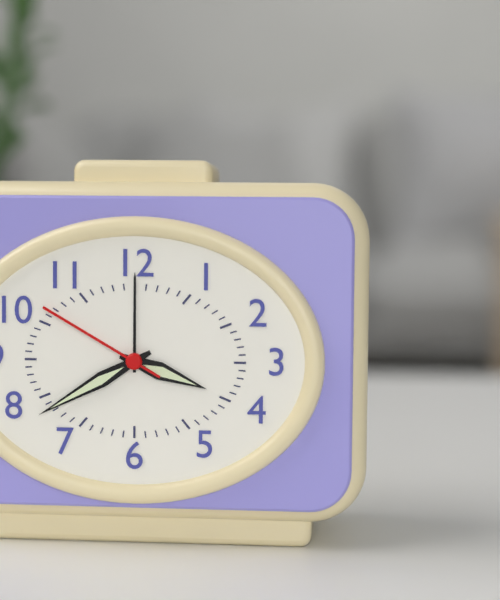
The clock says 3:40:50
